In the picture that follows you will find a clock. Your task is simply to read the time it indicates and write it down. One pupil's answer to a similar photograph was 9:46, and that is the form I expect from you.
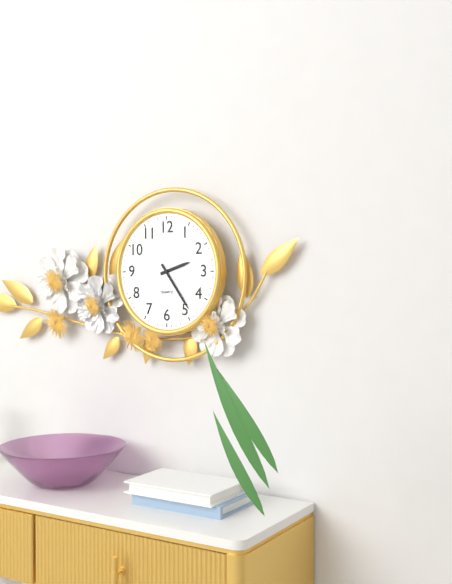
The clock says 2:24
